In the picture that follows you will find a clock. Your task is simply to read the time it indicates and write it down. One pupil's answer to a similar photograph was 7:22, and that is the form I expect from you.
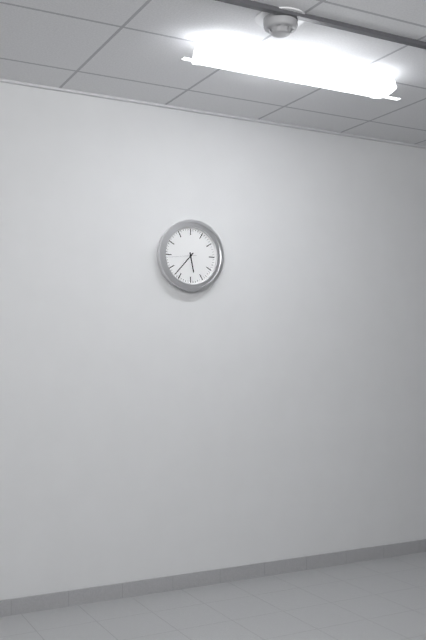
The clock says 5:37
